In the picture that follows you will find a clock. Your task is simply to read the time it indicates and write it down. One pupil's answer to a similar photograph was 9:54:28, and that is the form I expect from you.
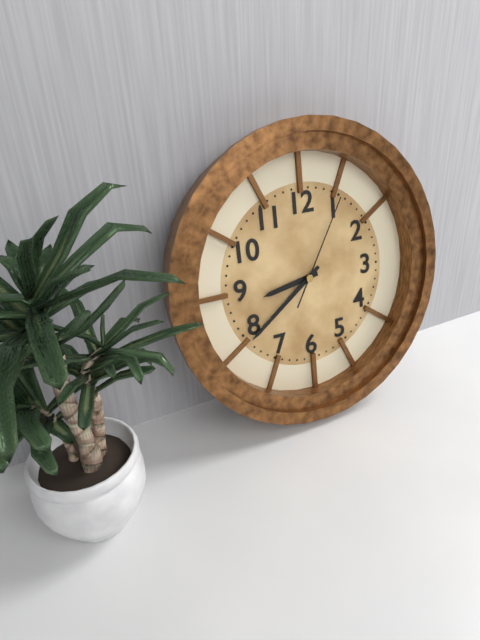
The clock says 8:39:05
